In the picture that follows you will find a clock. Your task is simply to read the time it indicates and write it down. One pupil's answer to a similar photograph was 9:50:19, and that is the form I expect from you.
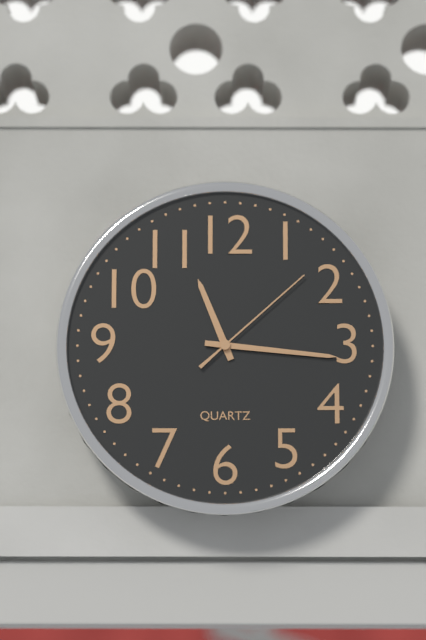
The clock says 11:16:08
